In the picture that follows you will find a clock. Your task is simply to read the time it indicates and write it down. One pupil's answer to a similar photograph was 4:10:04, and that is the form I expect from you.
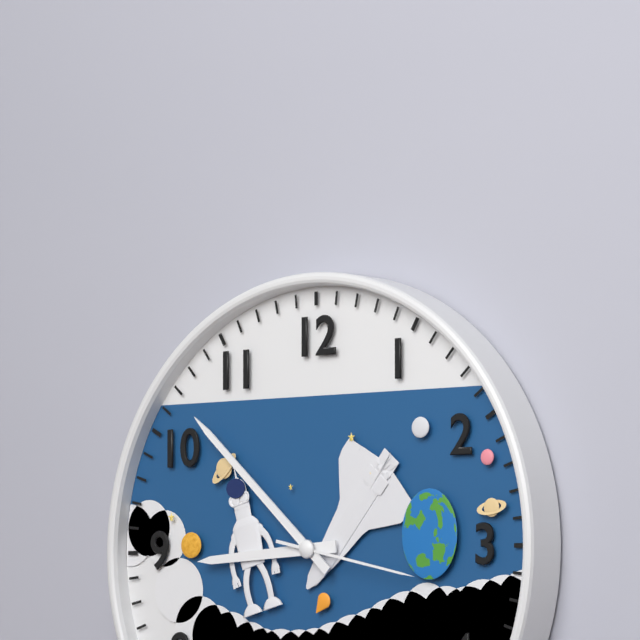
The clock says 8:52:17
